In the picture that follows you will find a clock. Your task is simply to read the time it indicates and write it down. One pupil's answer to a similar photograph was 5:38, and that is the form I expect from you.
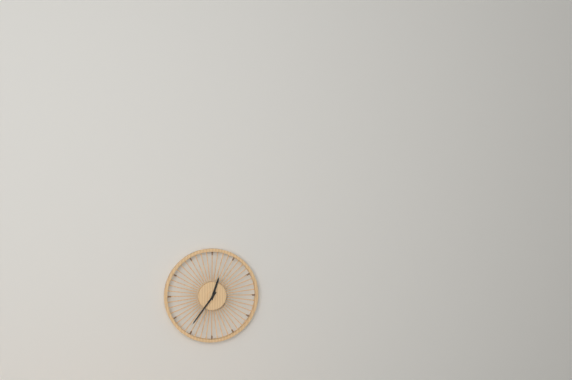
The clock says 12:36
